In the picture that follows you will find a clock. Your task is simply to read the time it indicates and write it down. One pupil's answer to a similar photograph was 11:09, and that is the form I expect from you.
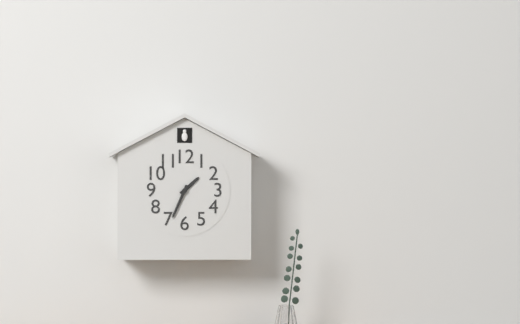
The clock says 1:34
